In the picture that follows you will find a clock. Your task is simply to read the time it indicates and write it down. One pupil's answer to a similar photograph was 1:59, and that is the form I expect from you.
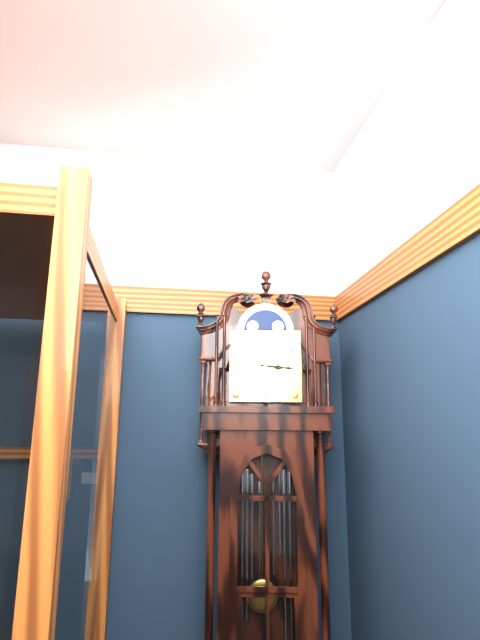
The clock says 3:16
